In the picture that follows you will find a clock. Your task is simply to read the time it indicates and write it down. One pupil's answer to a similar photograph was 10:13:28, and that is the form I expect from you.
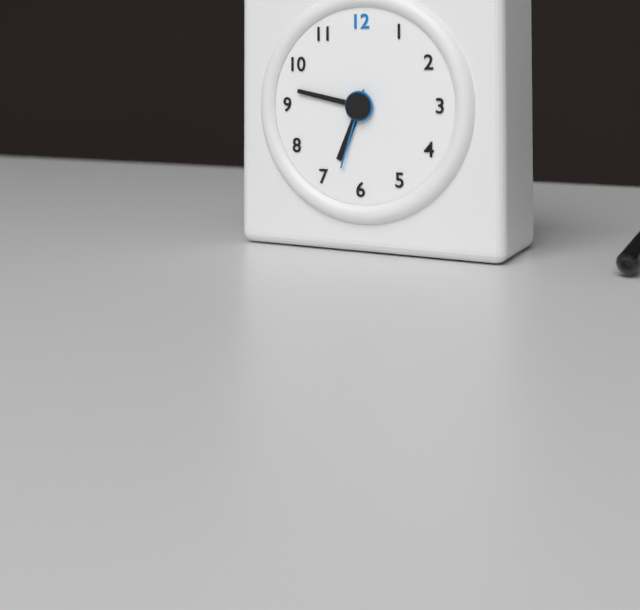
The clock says 6:47:33
